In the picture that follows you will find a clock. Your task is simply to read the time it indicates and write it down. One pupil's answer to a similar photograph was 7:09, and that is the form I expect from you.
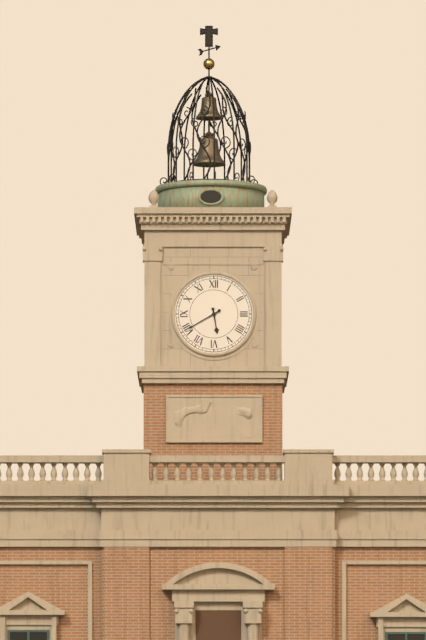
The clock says 5:40
